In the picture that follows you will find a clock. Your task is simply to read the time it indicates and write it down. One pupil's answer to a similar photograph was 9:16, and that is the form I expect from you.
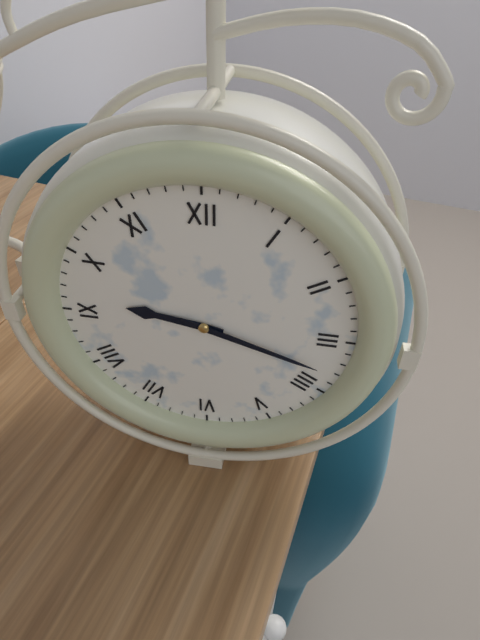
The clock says 9:18
